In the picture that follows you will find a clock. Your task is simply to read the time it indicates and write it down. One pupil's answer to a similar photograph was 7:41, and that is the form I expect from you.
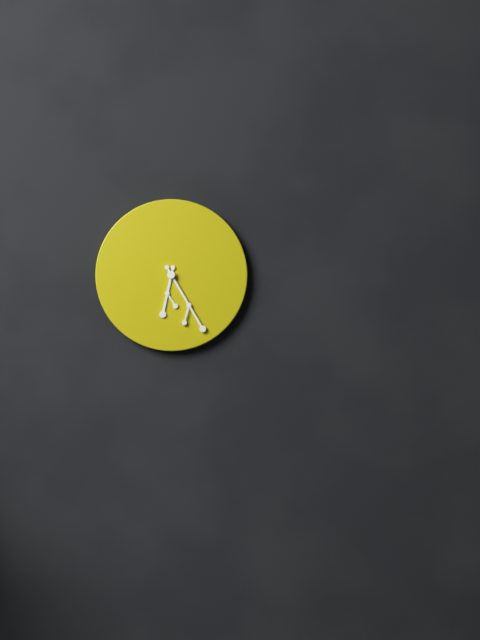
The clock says 6:25
